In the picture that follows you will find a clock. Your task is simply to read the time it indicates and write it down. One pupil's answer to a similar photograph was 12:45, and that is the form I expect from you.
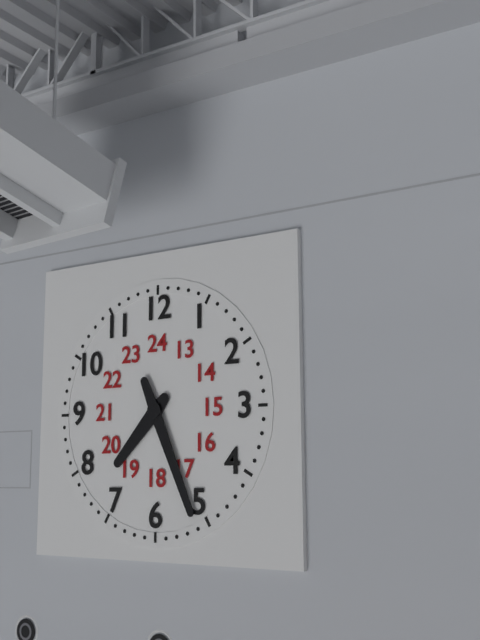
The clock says 7:26
